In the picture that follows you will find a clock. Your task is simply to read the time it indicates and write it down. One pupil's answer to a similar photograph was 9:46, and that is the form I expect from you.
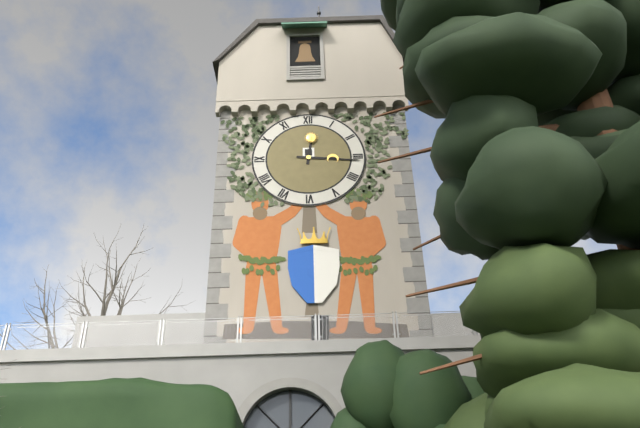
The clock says 12:16
